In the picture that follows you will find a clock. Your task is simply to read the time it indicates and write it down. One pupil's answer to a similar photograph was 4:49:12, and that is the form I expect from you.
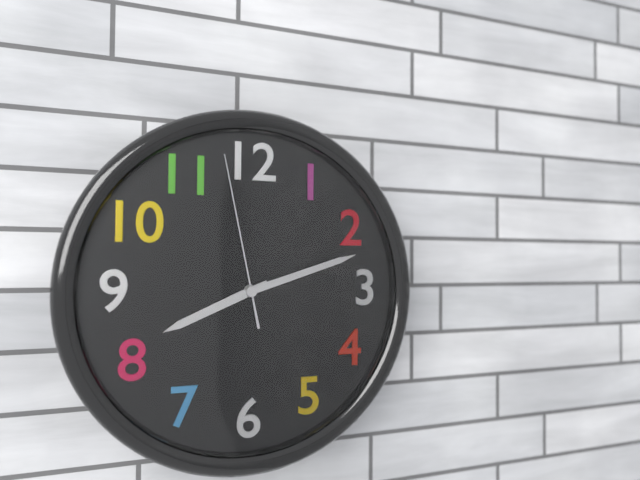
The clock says 8:12:58
